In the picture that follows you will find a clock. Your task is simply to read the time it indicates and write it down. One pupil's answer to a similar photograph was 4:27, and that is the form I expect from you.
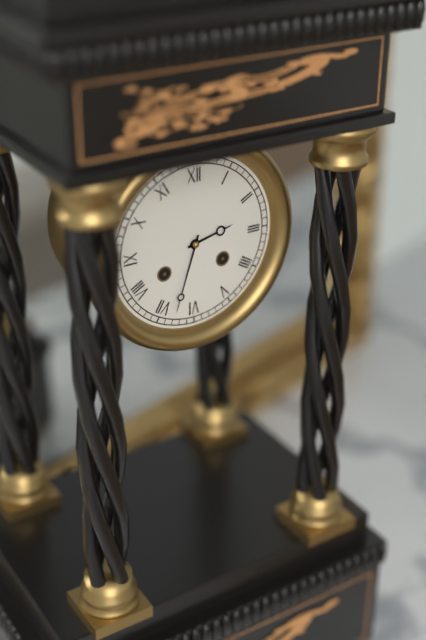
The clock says 2:33
